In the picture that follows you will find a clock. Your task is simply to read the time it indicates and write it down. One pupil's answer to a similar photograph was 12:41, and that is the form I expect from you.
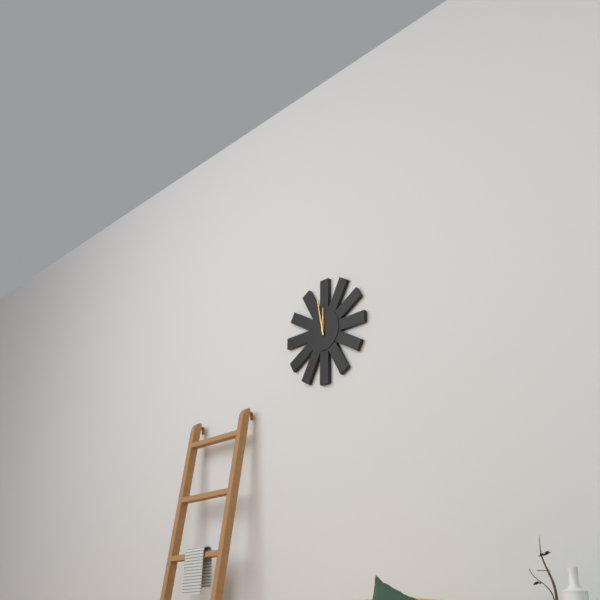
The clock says 11:58
